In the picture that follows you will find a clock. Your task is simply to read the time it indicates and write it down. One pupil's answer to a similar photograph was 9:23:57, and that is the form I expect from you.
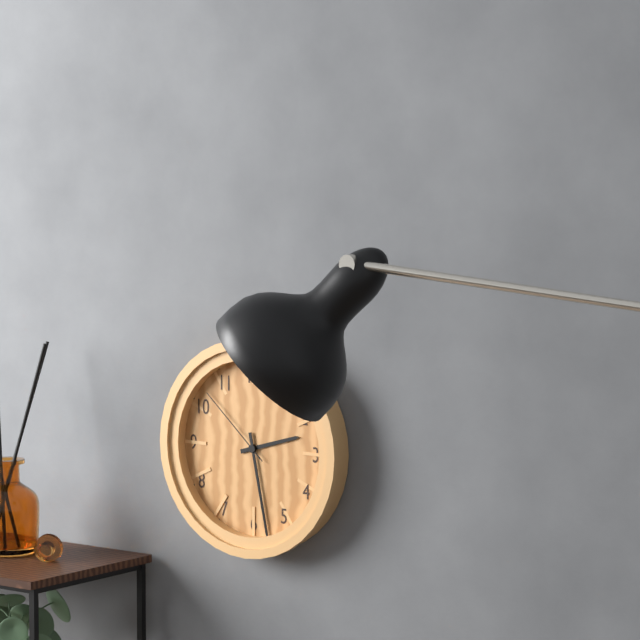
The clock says 2:28:52
